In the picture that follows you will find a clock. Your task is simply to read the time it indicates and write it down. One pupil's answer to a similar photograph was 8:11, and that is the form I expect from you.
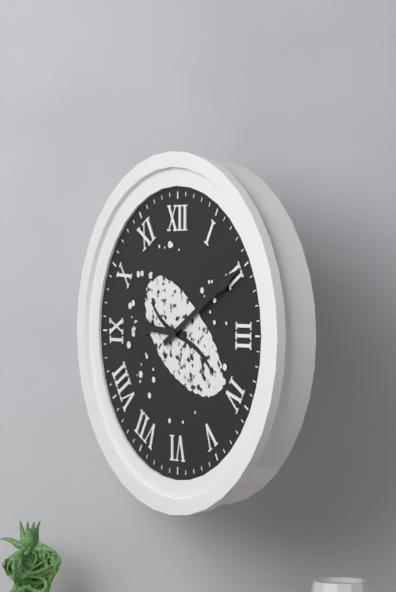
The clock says 9:10
